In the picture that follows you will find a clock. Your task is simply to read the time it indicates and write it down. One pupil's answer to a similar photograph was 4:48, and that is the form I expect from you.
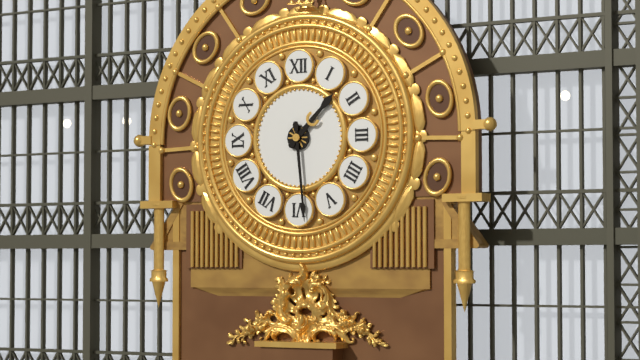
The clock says 1:29
